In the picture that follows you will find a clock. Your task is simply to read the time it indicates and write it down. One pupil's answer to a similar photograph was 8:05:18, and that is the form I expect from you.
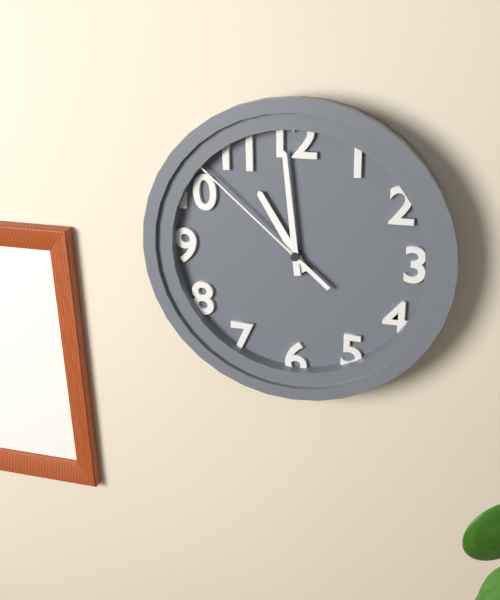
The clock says 10:59:52
